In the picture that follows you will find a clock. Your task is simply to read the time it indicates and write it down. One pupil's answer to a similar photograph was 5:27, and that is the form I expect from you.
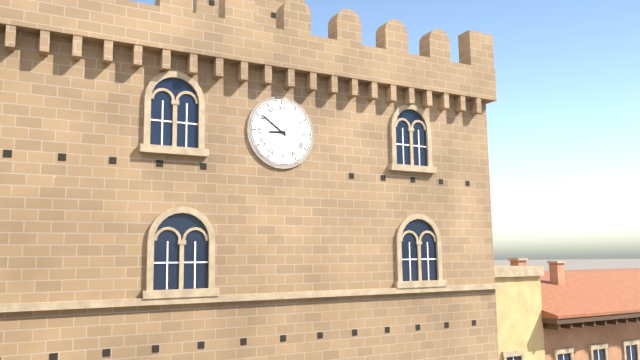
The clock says 8:51
